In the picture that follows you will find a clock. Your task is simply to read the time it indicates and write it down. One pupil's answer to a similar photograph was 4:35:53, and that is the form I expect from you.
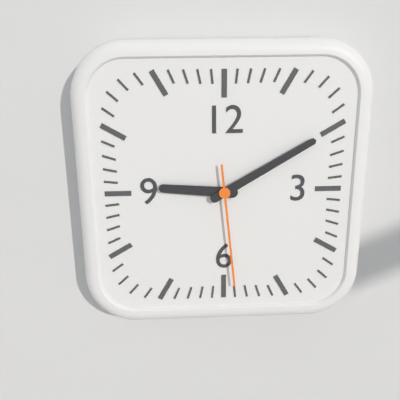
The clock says 9:10:29
